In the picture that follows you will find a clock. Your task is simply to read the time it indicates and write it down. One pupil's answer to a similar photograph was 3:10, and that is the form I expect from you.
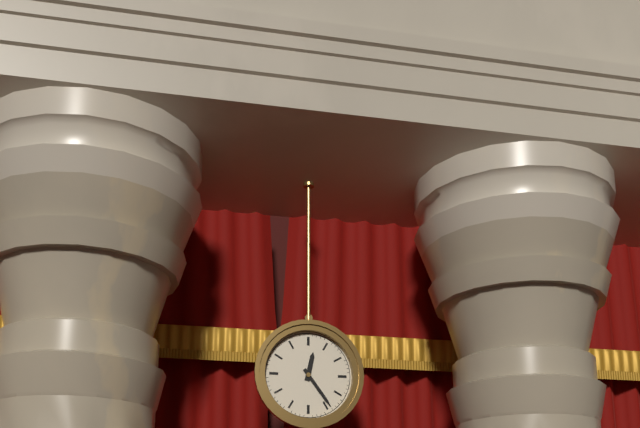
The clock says 12:24
